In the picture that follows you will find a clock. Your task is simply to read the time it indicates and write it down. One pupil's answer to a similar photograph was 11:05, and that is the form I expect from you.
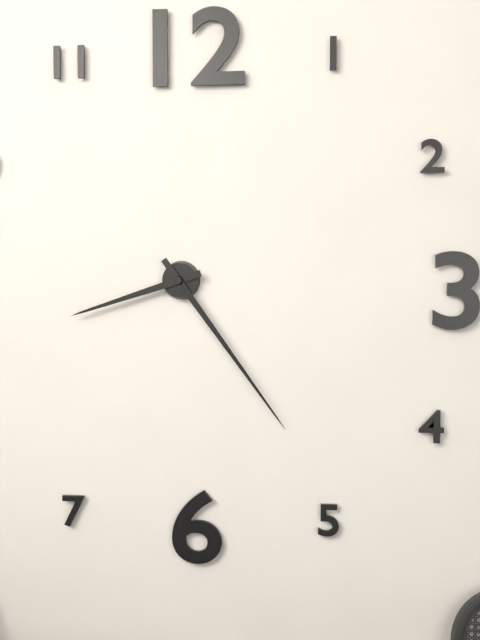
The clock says 8:24
